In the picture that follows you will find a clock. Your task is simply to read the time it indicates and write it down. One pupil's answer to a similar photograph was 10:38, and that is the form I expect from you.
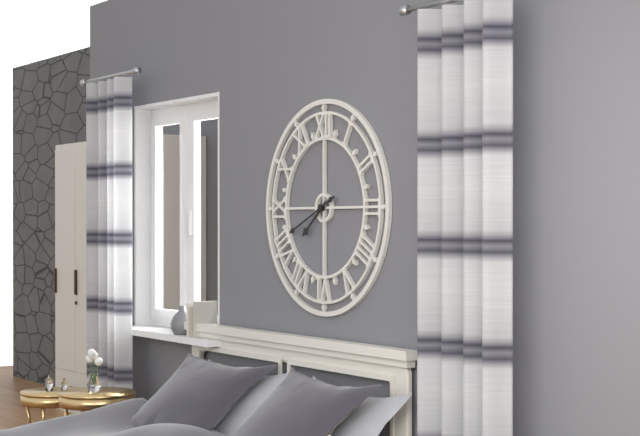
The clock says 7:41
